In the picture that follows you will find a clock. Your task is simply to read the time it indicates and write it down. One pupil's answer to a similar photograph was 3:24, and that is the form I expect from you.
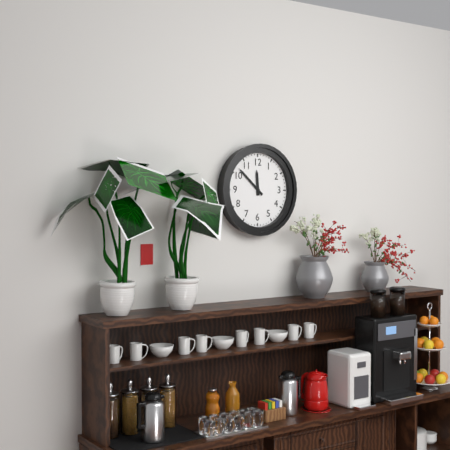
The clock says 11:52
